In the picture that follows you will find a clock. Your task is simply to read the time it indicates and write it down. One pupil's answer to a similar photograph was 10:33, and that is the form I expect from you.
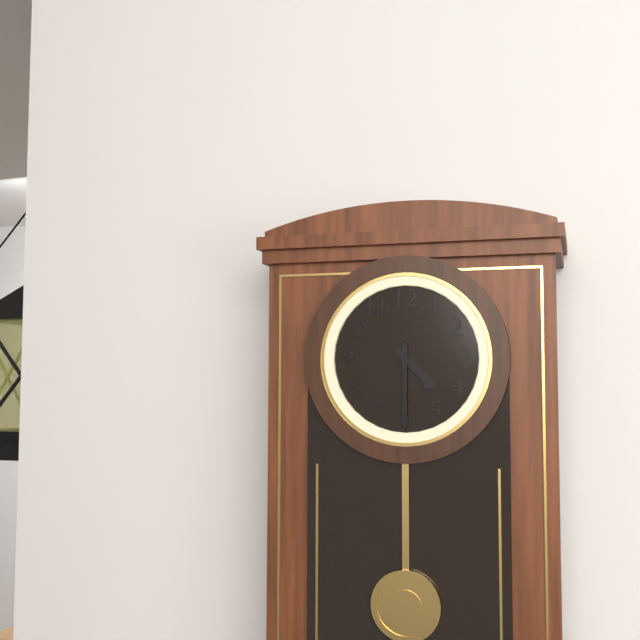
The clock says 4:30
